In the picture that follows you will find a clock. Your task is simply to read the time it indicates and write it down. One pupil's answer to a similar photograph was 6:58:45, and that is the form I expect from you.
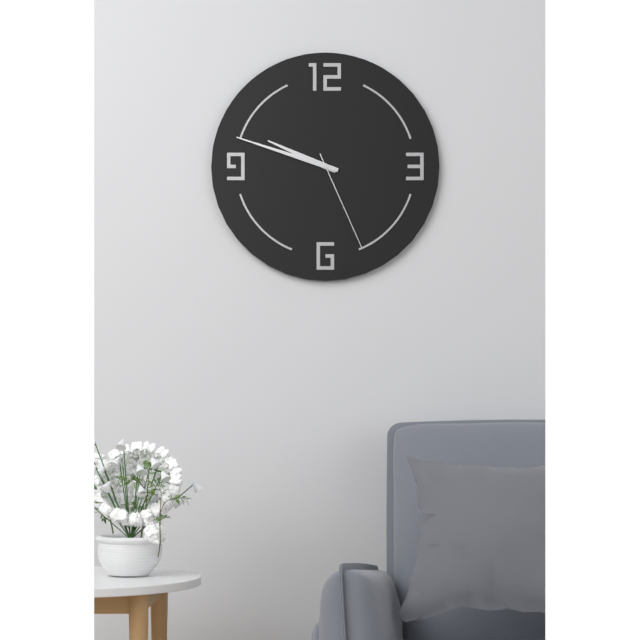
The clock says 9:48:26
